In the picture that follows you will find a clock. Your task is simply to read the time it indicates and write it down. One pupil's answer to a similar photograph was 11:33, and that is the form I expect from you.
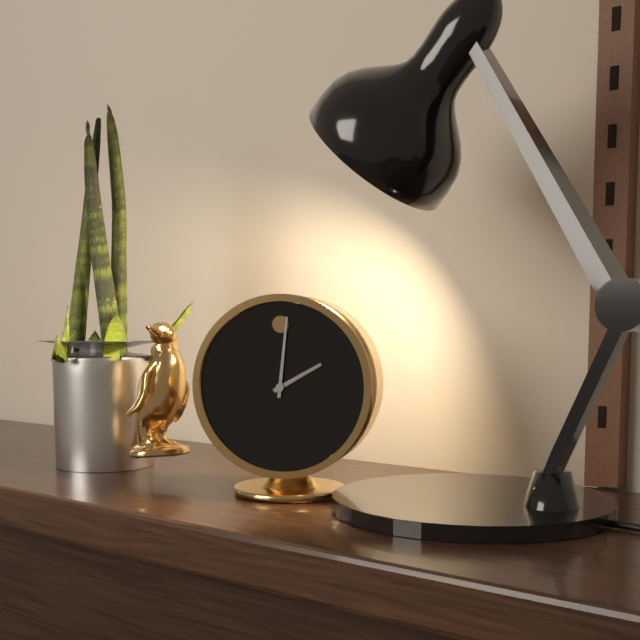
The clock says 2:01
